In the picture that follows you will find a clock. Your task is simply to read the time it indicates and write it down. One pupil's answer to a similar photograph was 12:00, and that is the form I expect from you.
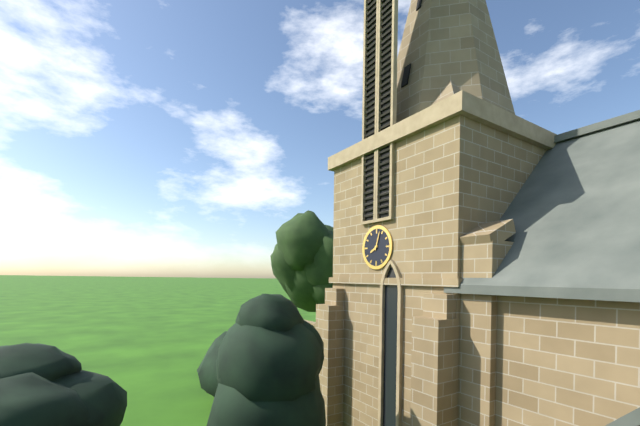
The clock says 8:03
